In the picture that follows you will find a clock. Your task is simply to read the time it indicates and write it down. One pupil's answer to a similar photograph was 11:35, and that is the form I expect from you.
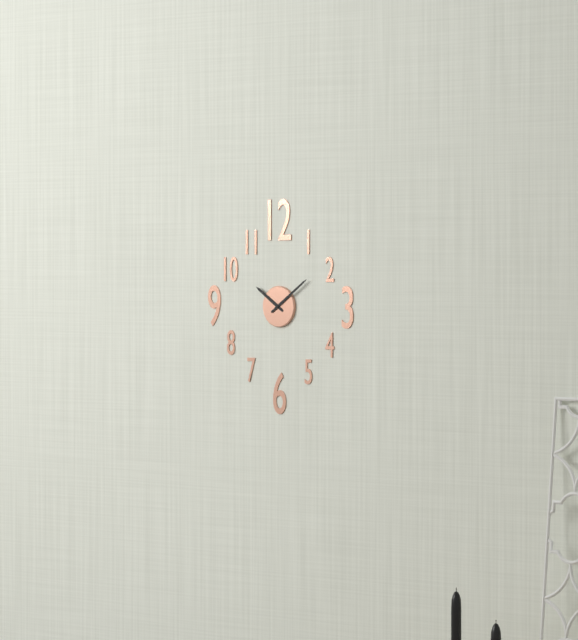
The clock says 10:09
